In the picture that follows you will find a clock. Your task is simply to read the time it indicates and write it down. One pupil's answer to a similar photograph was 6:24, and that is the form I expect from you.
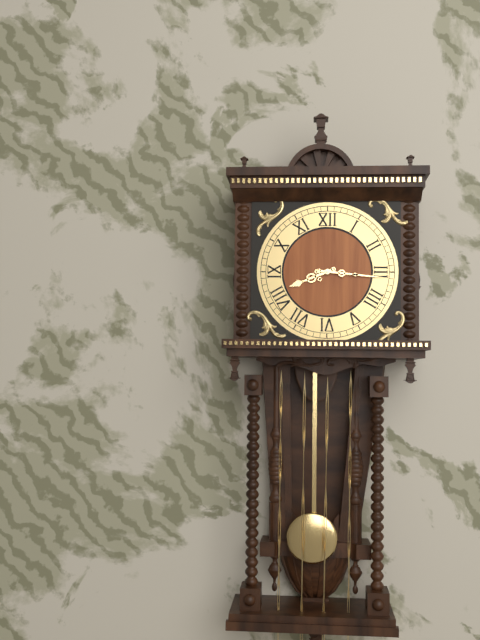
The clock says 8:16
